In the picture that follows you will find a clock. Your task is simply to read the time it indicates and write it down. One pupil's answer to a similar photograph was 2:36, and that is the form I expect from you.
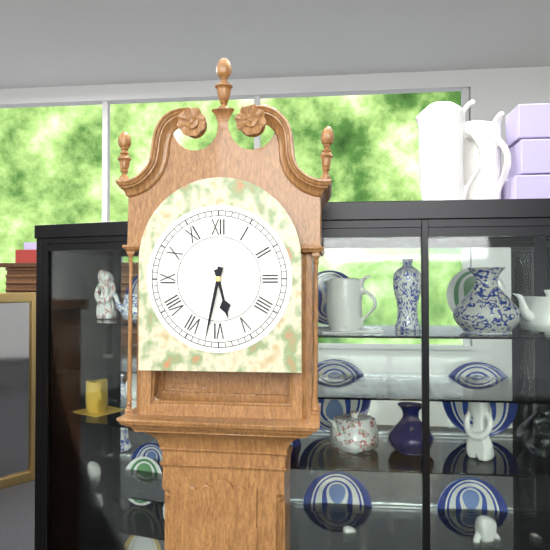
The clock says 5:32
